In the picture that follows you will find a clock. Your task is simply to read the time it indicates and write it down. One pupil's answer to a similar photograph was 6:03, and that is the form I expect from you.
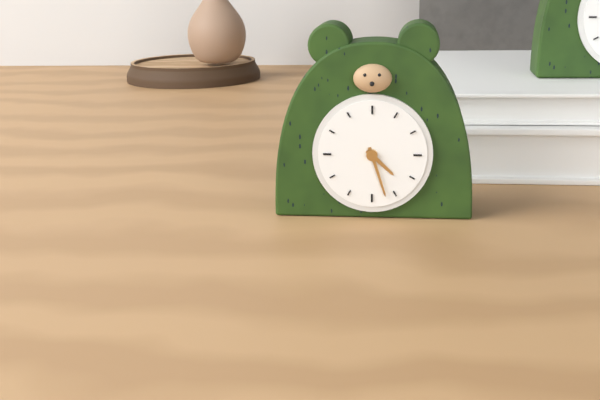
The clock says 4:27
